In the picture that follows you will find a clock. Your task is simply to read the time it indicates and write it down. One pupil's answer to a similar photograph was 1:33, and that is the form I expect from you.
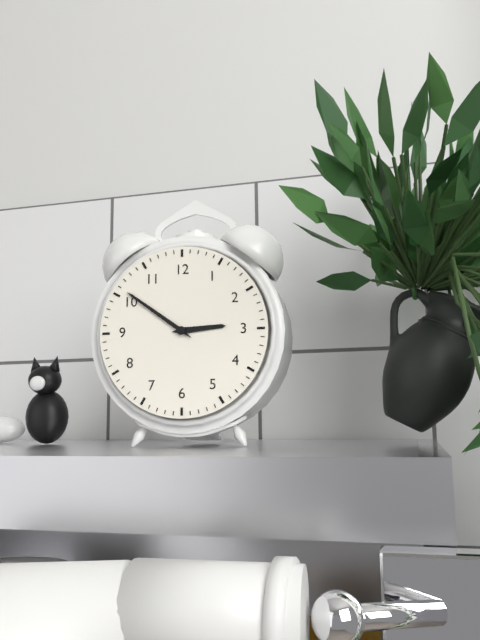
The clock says 2:51
